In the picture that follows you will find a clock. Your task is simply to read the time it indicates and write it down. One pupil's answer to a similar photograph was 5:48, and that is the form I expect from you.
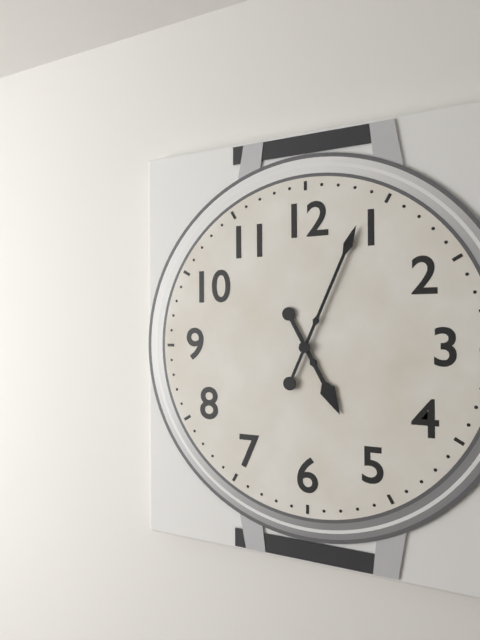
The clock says 5:04
